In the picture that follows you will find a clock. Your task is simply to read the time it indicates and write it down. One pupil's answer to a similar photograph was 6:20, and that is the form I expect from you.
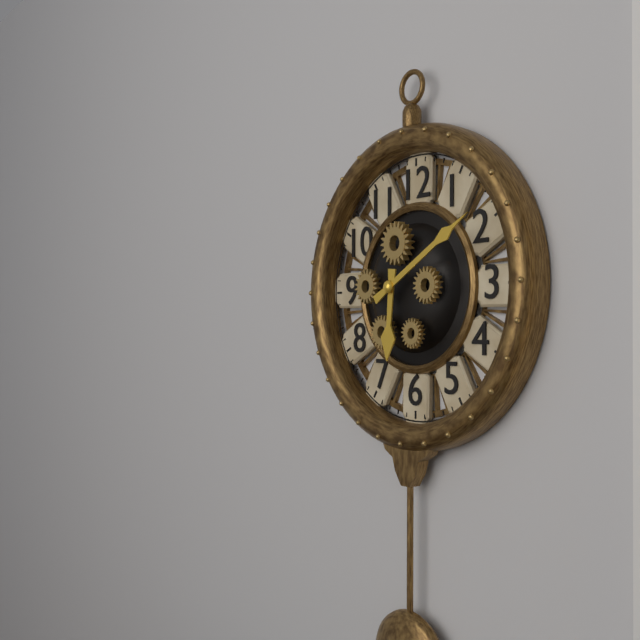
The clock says 6:10
